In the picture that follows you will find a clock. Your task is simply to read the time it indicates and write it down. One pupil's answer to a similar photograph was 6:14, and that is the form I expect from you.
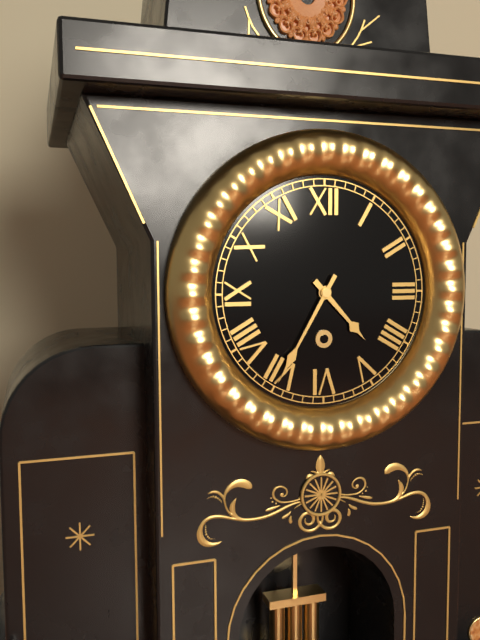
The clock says 4:35
